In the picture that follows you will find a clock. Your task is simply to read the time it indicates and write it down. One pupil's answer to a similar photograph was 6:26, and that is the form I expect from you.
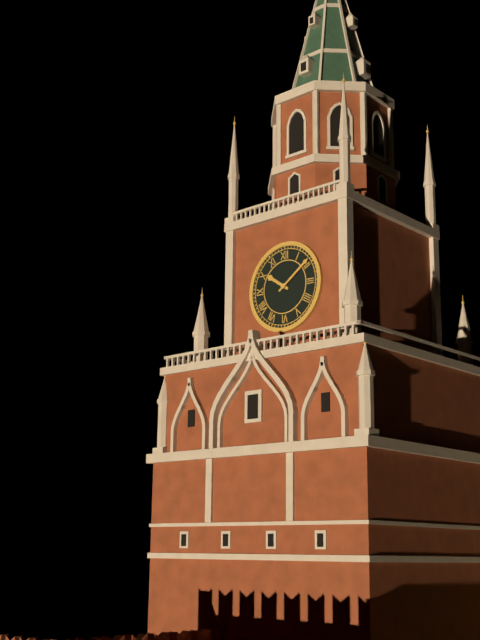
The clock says 10:09
